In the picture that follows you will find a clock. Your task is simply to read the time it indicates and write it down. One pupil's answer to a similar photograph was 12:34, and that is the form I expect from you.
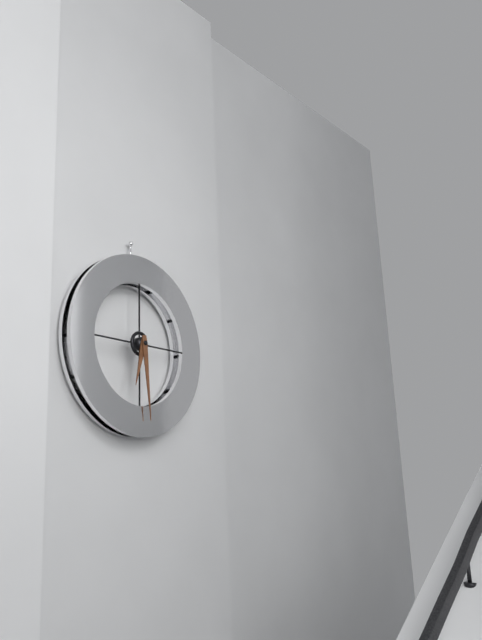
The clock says 6:29
